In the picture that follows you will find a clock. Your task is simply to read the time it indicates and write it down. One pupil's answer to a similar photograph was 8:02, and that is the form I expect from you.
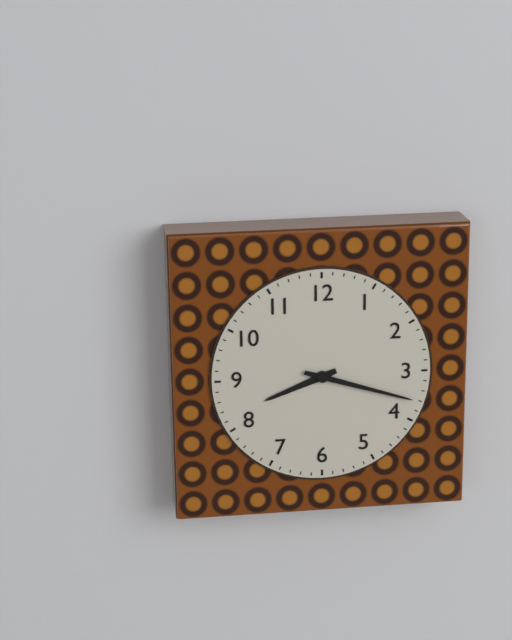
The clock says 8:18
